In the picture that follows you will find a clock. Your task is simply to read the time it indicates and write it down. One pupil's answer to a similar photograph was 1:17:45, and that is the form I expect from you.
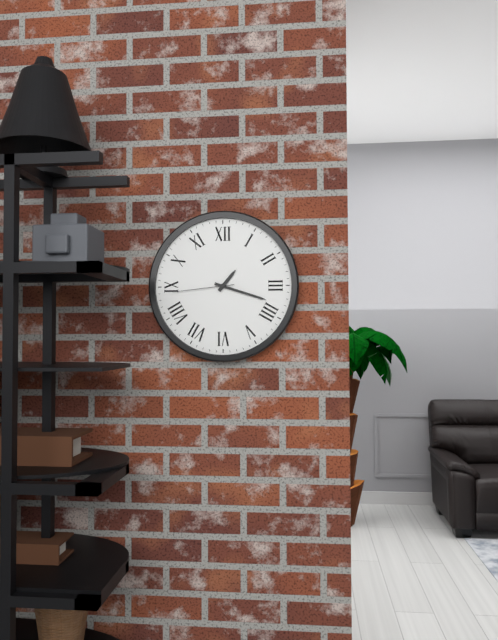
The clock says 1:18:44
